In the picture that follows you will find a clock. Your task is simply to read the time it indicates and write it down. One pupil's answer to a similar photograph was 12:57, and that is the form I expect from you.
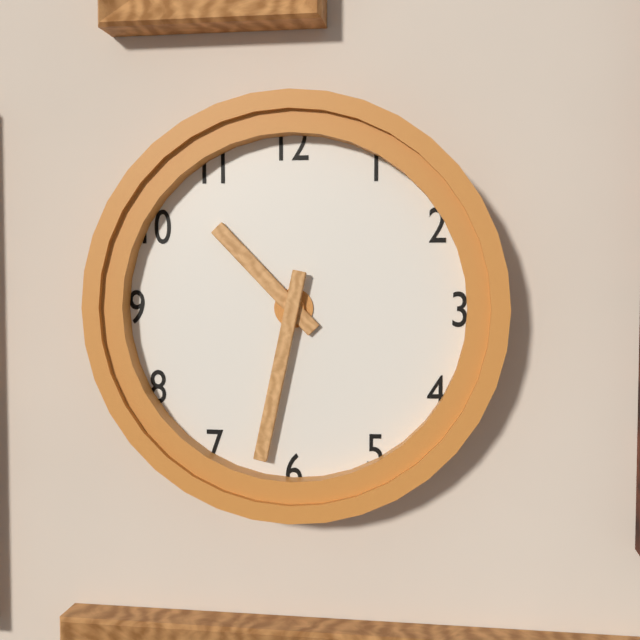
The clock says 10:32
